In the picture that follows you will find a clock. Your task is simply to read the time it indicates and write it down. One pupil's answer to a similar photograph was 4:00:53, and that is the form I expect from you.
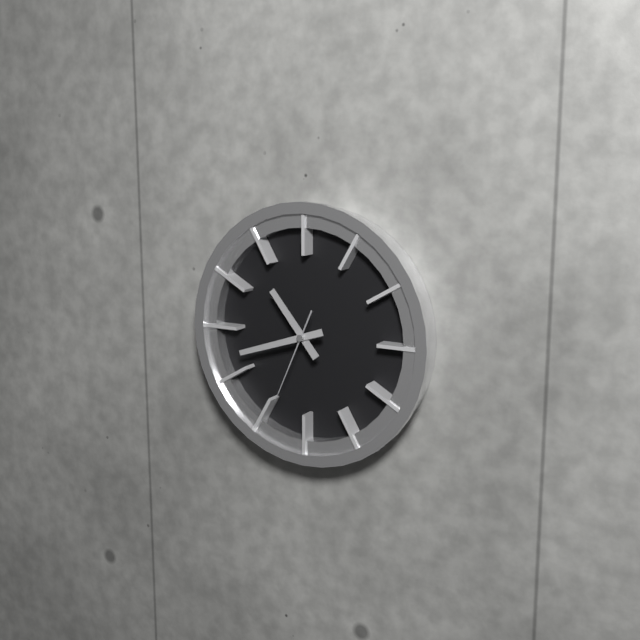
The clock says 10:42:34
